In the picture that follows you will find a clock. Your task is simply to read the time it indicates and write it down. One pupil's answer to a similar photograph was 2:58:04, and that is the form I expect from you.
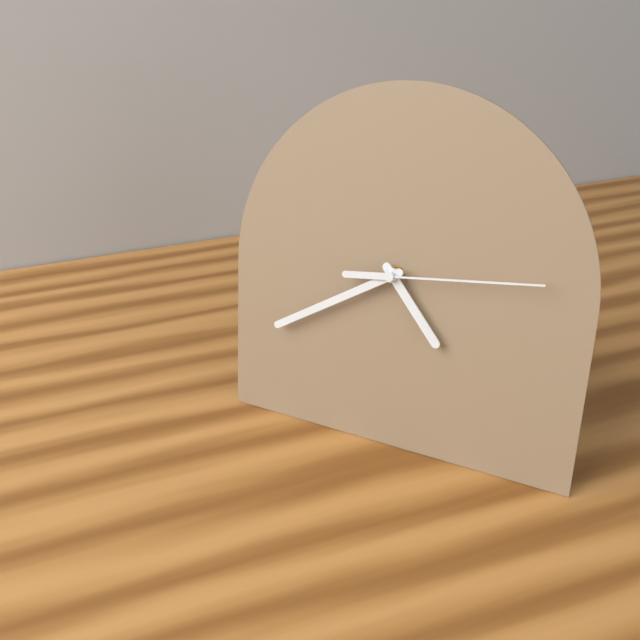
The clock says 4:40:14
